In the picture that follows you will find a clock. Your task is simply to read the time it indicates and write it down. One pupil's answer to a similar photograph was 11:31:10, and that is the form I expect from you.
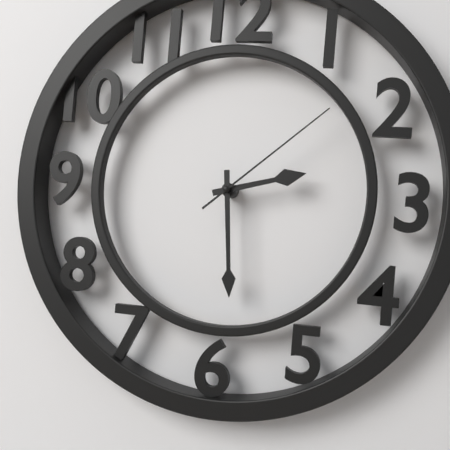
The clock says 2:29:08
